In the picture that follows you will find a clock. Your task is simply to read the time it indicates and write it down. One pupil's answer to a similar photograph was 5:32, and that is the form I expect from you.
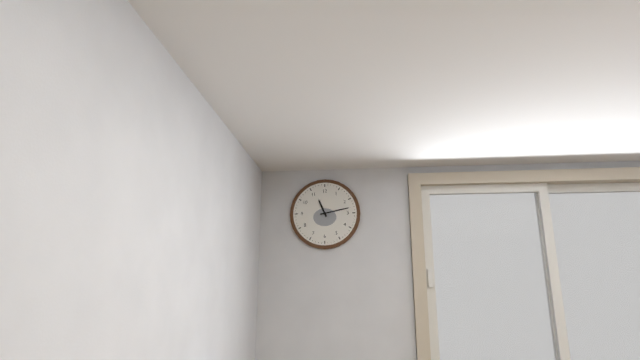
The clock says 11:13
